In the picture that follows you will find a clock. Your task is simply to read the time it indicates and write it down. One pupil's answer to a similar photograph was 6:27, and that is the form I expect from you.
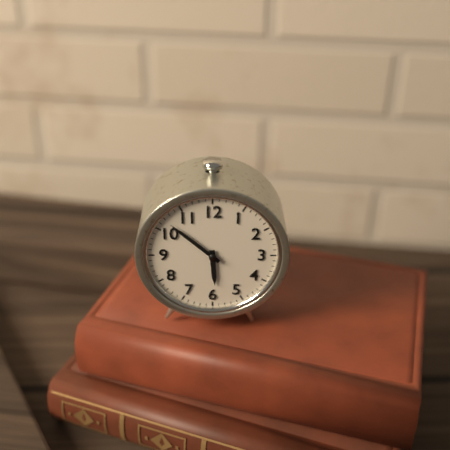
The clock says 5:52
